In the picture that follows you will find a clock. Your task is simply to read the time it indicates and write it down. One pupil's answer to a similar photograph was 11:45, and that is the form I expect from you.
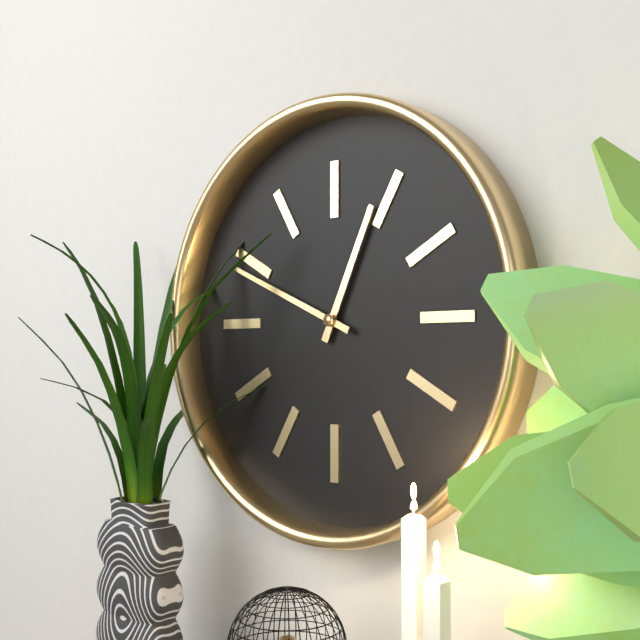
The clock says 12:49
